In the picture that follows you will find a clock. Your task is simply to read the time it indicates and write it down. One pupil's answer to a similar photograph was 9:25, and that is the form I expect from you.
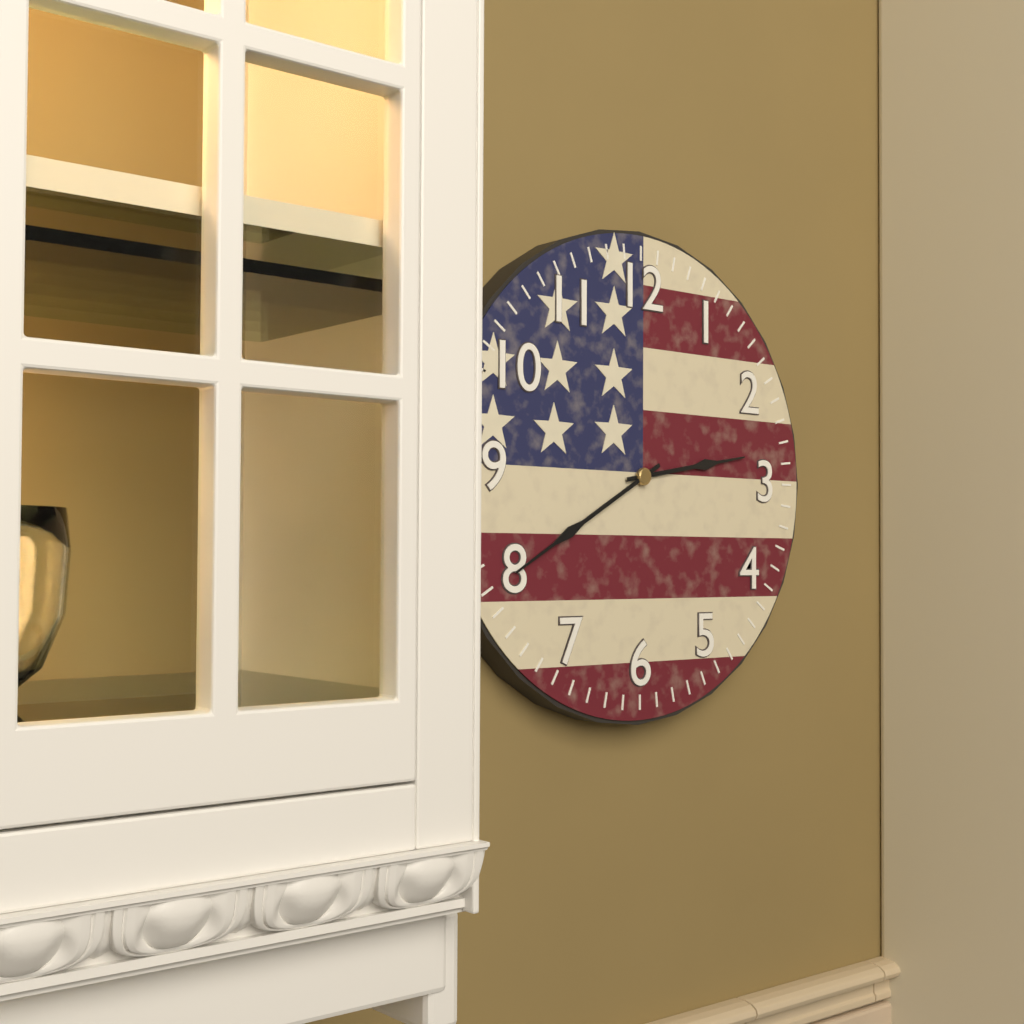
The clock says 2:40
